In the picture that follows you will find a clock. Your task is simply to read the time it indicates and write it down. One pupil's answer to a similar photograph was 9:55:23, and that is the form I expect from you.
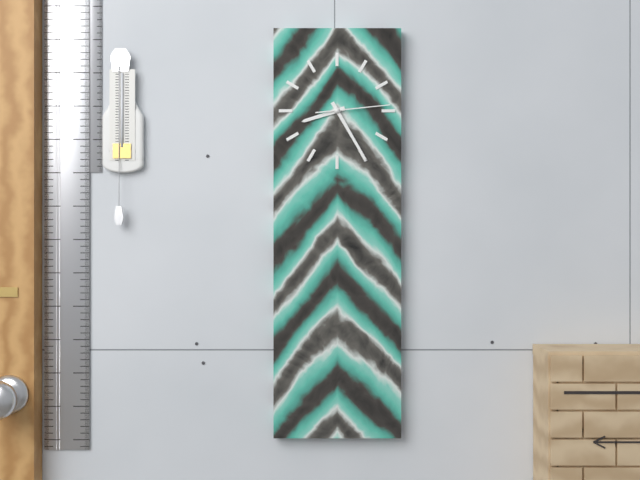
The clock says 8:25:14
